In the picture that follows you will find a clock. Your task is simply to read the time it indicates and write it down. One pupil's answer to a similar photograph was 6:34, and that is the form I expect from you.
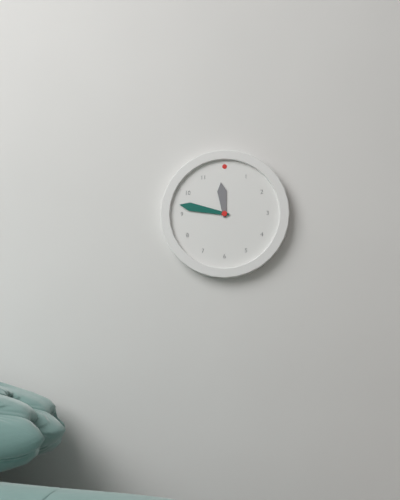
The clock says 11:47
